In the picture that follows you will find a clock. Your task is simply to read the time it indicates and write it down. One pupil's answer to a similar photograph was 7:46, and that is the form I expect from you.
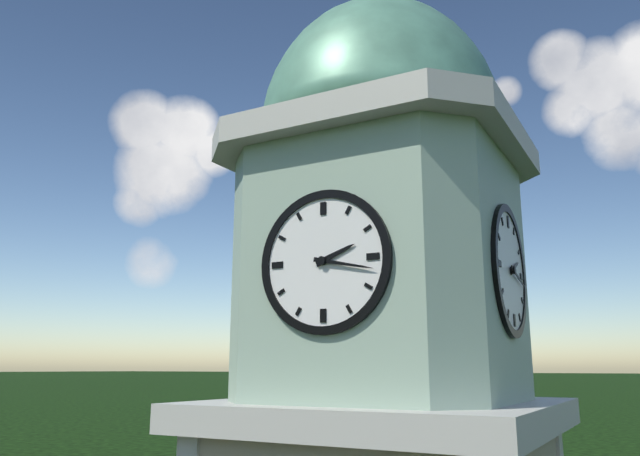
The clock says 2:17
